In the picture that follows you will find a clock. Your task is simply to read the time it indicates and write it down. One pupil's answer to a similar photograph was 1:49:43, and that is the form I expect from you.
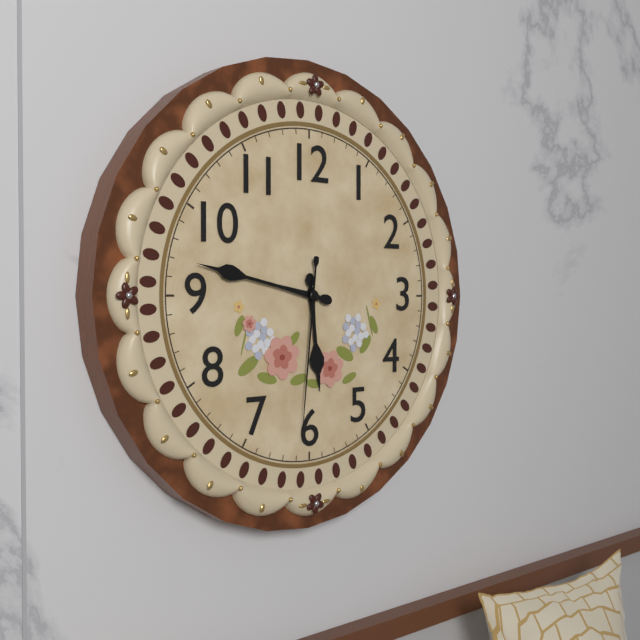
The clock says 5:47:31
